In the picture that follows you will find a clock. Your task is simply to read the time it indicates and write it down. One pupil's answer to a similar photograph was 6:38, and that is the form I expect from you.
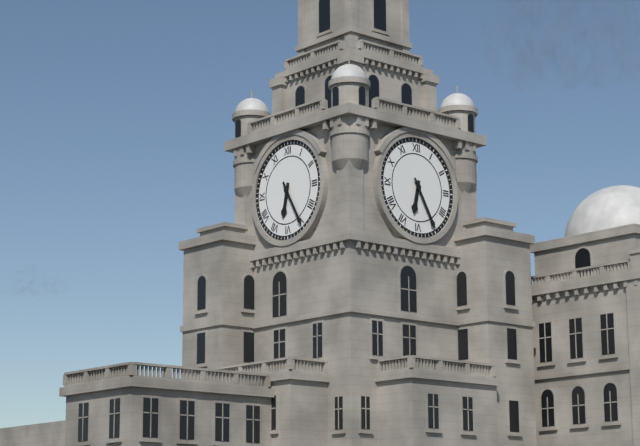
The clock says 6:25
